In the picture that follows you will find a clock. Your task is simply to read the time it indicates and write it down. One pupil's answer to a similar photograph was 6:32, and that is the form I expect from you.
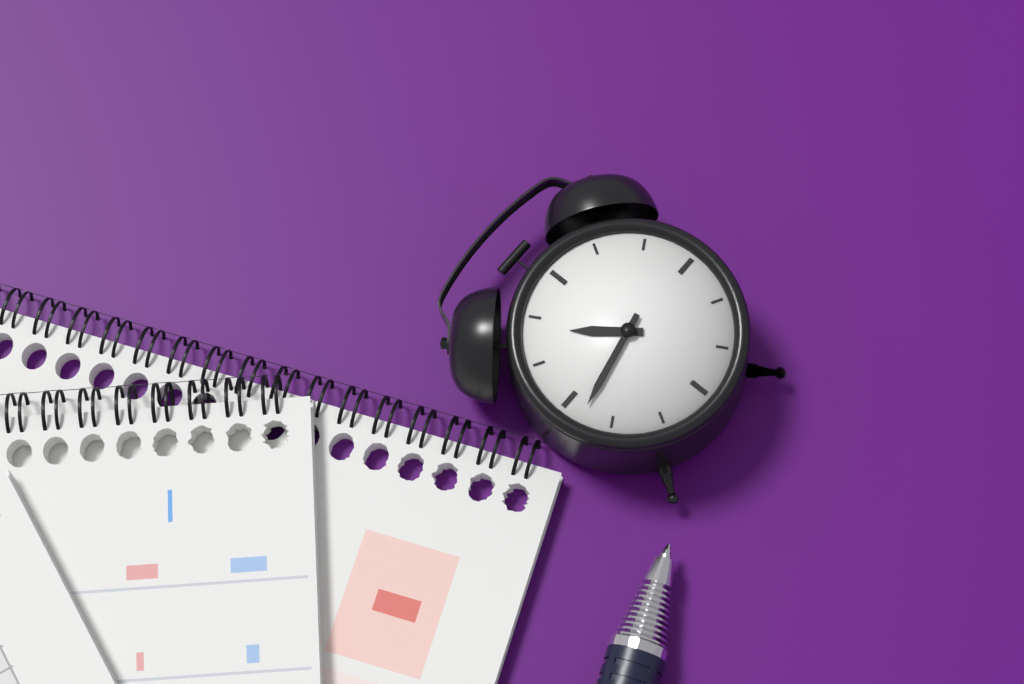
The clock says 10:43
